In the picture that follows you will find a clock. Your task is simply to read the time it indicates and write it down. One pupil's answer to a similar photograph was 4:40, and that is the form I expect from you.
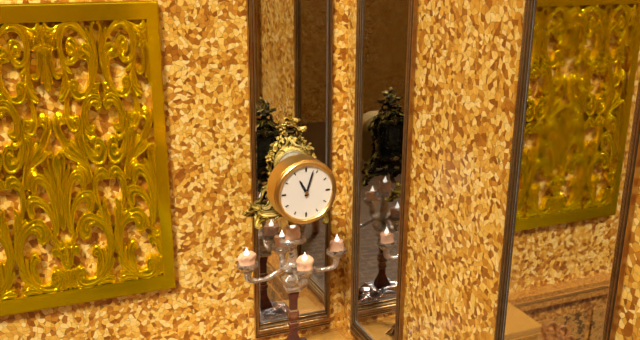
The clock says 11:03
